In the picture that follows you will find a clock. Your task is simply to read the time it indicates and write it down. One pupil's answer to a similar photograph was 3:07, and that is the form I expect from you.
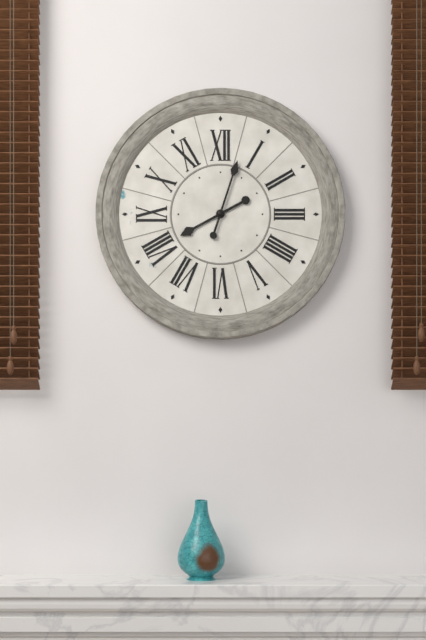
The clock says 8:03
